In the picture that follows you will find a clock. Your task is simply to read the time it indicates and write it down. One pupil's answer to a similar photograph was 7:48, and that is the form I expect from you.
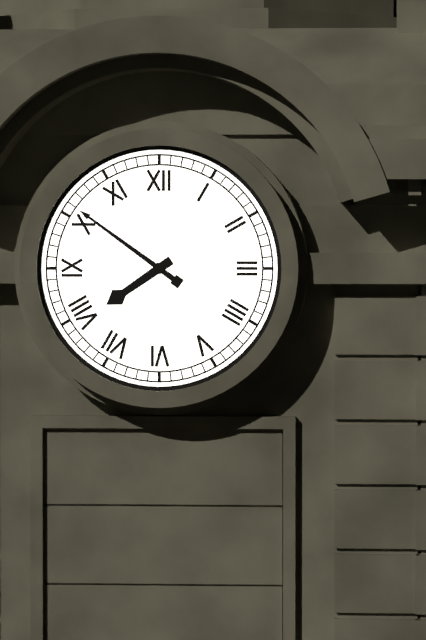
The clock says 7:51
